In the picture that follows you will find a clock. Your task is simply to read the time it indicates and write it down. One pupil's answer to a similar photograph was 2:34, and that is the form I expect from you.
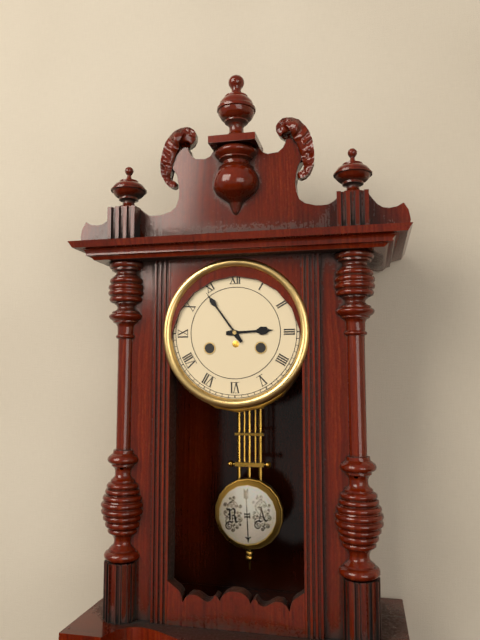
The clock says 2:54
